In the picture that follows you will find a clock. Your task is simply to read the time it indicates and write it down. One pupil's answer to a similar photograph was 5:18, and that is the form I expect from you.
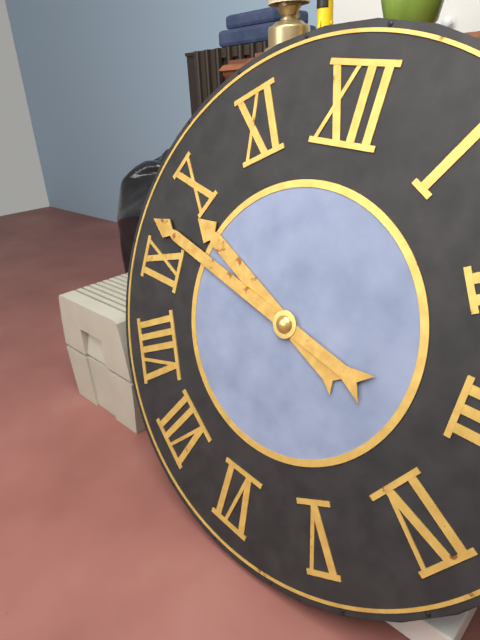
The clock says 9:47
